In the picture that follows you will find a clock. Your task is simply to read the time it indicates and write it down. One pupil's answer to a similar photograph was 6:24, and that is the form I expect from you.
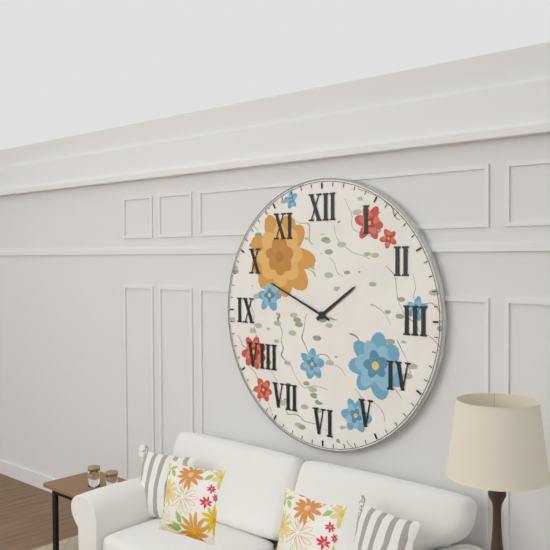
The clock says 1:49
